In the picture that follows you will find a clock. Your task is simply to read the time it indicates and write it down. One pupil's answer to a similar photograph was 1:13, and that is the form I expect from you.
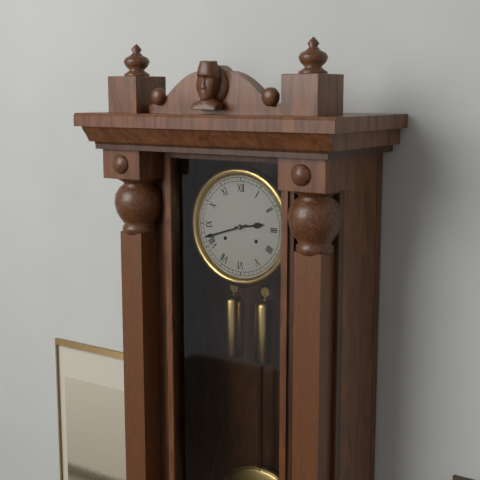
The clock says 2:42
